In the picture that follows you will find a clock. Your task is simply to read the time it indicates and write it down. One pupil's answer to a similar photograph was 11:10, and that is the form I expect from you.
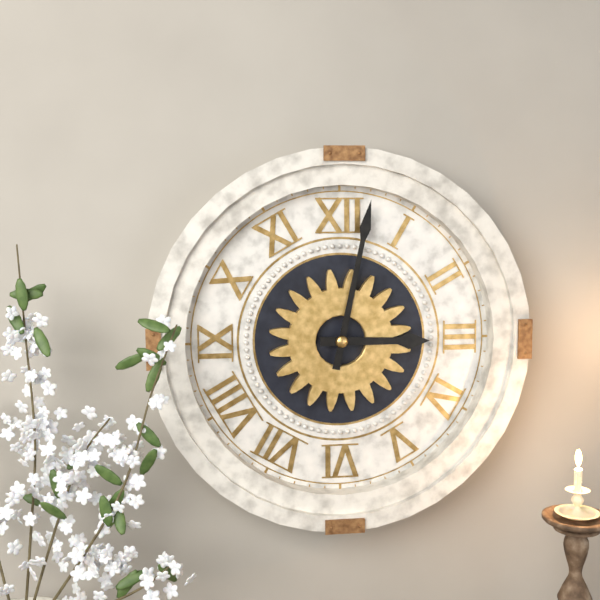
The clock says 3:02
